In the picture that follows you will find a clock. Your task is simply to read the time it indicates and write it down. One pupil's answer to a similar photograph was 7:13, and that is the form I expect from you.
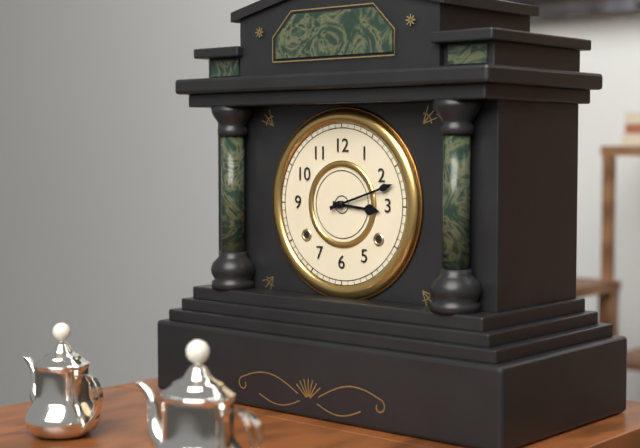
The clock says 3:12
